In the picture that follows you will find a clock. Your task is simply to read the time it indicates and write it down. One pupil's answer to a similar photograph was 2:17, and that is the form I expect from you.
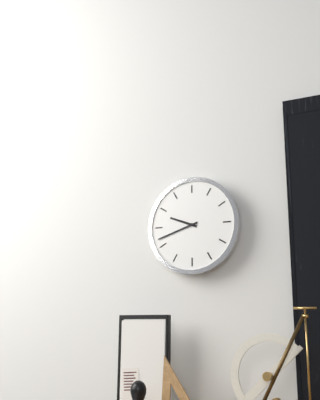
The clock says 9:42
